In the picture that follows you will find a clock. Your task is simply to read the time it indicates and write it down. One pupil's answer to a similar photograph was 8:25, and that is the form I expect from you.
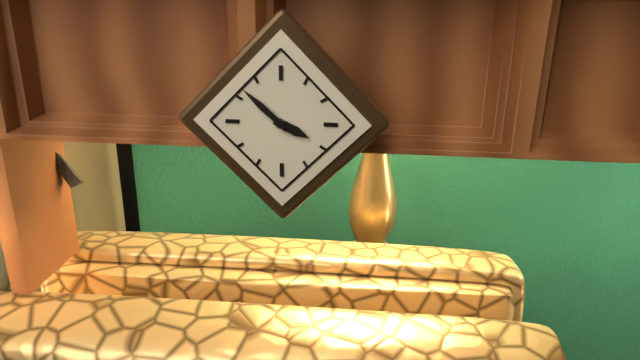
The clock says 3:52
